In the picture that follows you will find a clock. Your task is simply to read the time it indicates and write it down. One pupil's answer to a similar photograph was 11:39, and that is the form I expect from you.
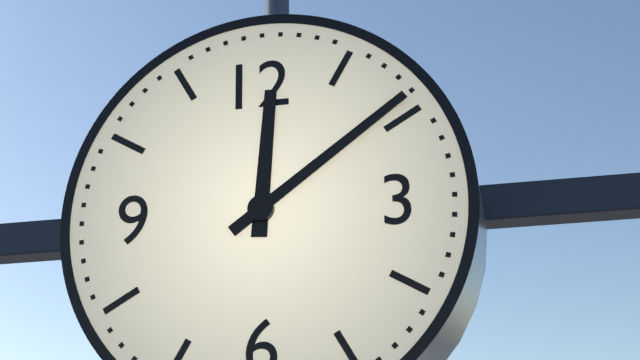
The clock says 12:09
